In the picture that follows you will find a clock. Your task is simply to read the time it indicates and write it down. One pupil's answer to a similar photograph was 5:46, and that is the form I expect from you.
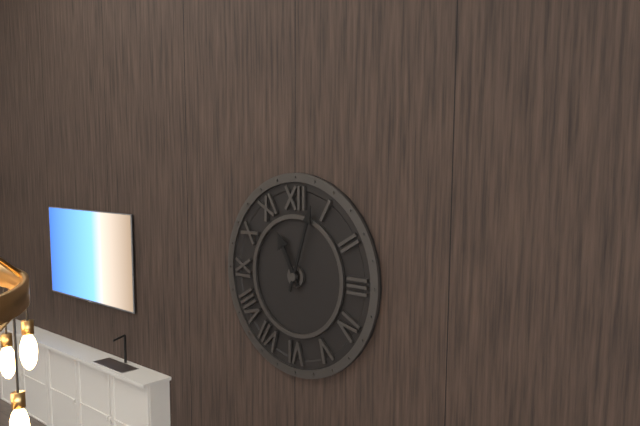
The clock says 11:03
